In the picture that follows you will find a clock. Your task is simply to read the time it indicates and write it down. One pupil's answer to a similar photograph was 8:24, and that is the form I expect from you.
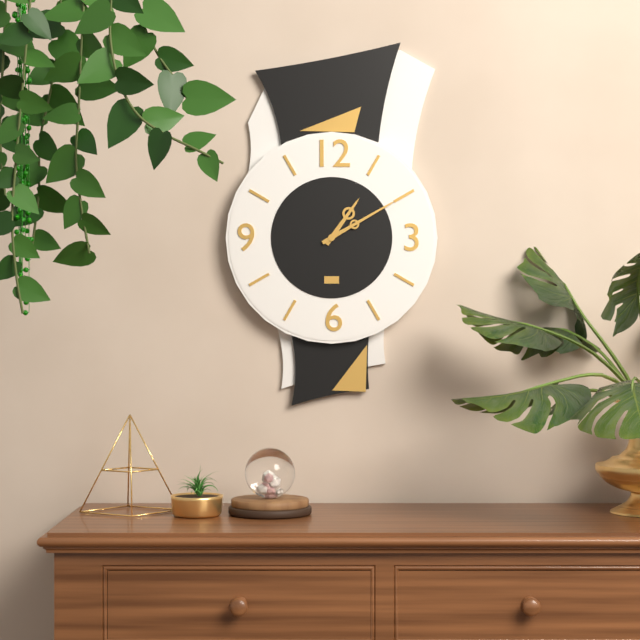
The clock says 1:10
